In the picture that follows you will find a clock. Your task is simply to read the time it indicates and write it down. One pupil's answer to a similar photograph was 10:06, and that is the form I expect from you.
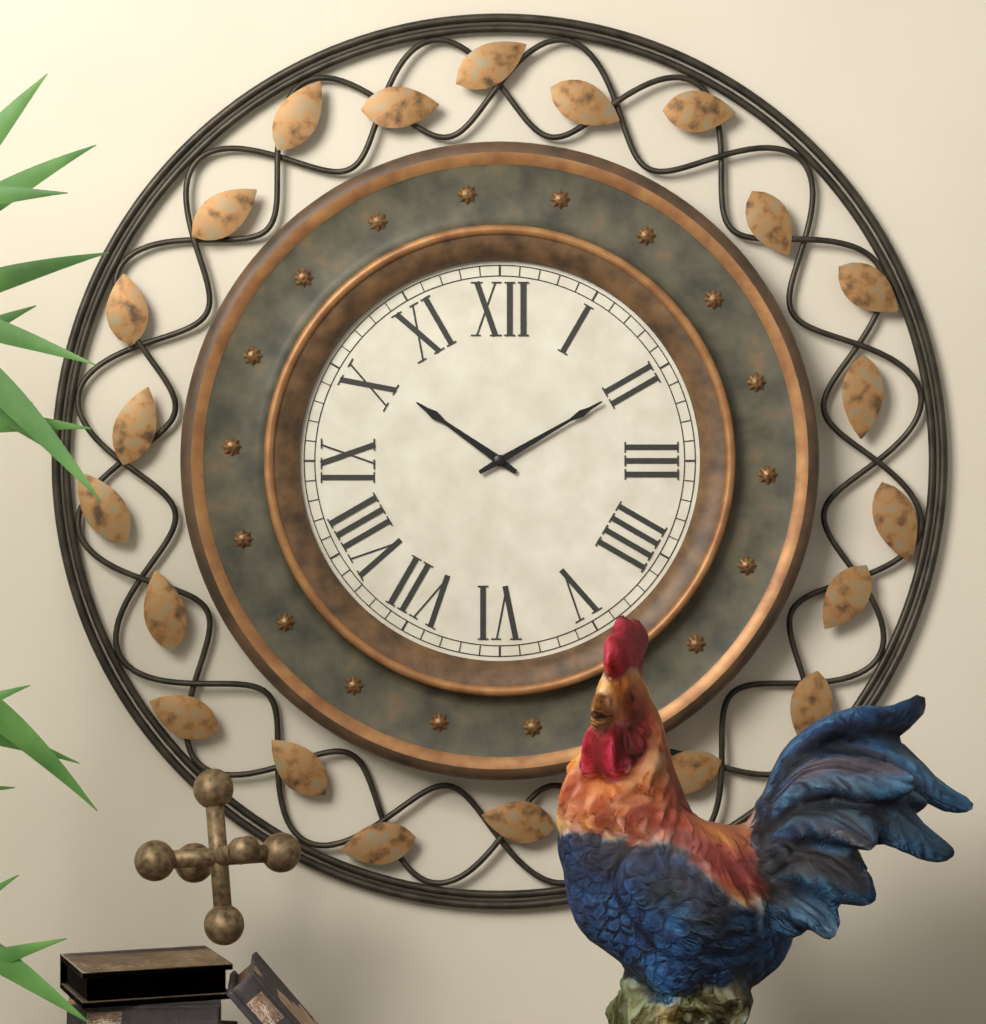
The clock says 10:10
